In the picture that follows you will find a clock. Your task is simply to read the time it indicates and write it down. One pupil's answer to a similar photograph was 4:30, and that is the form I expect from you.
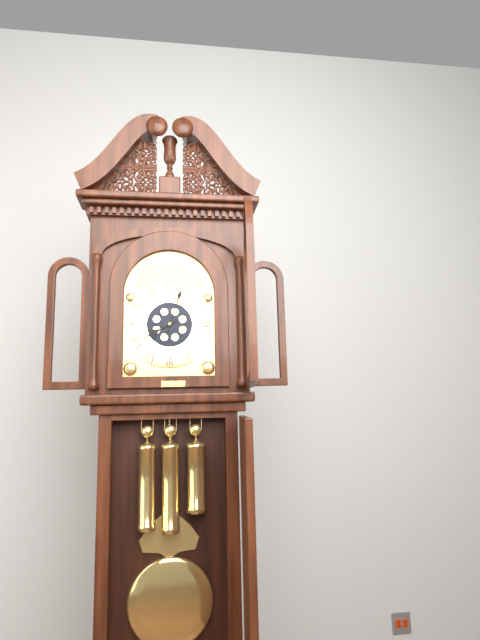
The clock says 8:03
